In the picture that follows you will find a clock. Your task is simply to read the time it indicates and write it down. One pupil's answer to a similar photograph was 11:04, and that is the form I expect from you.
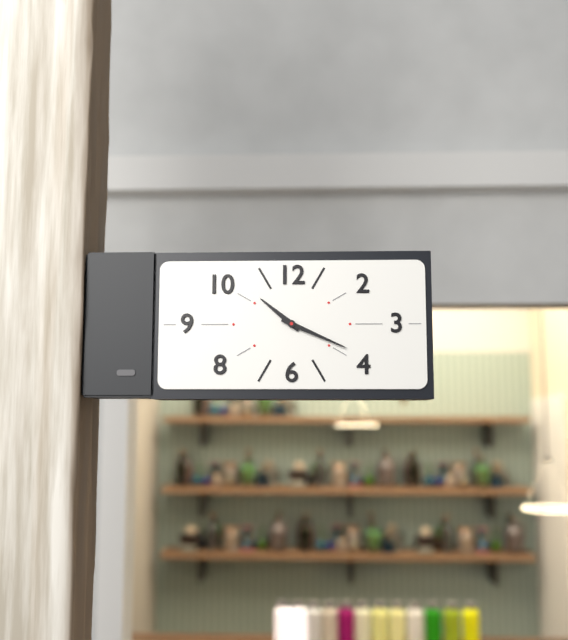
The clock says 10:19
